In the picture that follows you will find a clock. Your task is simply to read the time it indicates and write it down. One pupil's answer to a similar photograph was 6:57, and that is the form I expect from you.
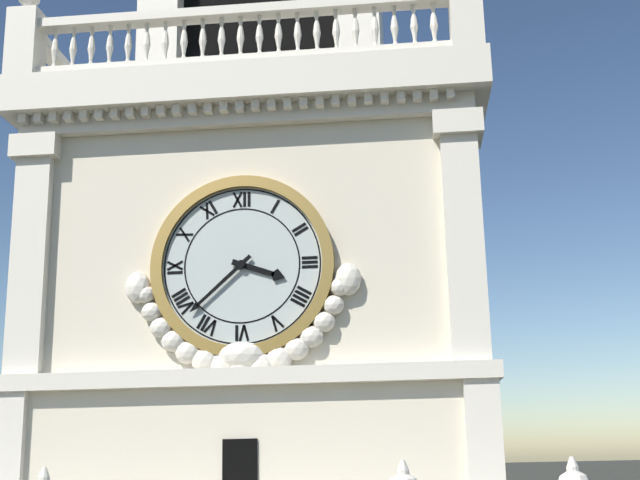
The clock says 3:38
